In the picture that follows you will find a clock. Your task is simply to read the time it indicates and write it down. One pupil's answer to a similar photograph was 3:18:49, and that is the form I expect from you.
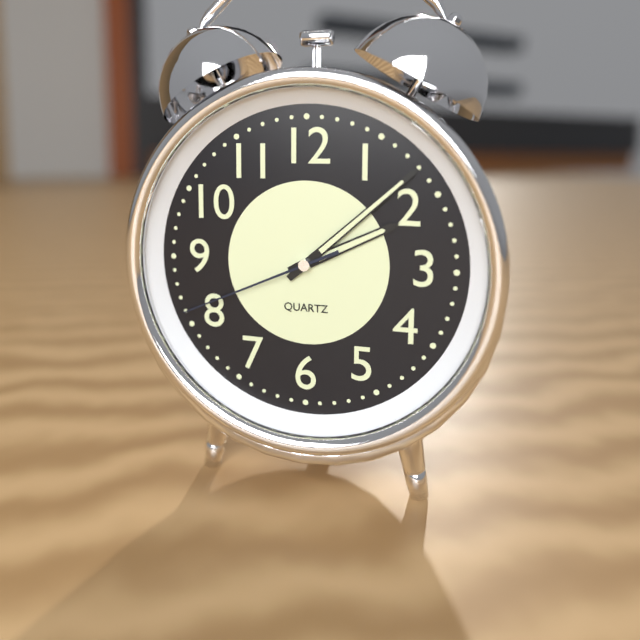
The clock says 2:08:41
